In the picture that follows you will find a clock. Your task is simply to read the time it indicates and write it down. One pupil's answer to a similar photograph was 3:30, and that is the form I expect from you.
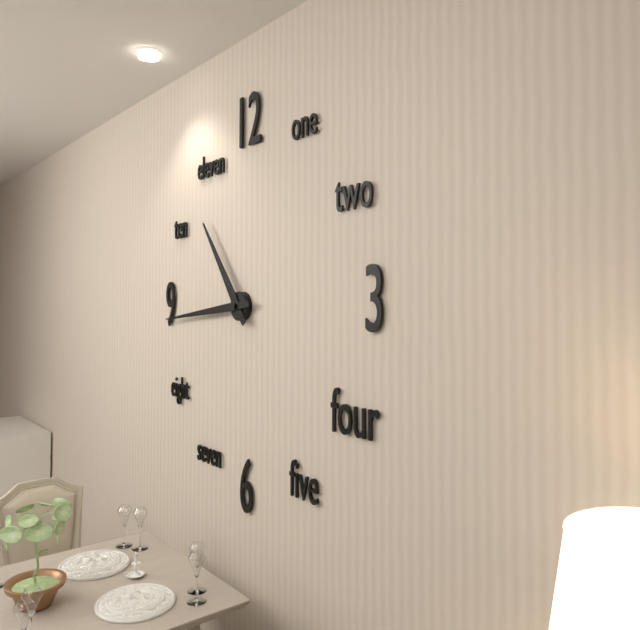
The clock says 10:44
